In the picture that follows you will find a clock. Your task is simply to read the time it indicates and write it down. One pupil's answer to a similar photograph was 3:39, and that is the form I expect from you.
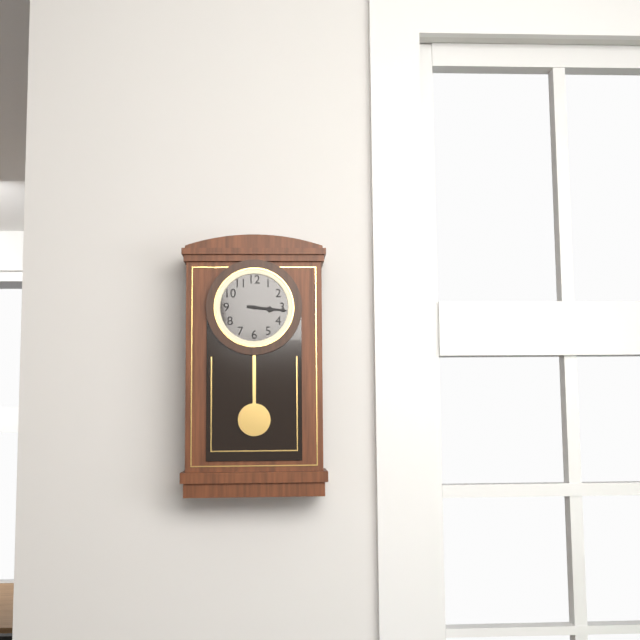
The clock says 3:16
